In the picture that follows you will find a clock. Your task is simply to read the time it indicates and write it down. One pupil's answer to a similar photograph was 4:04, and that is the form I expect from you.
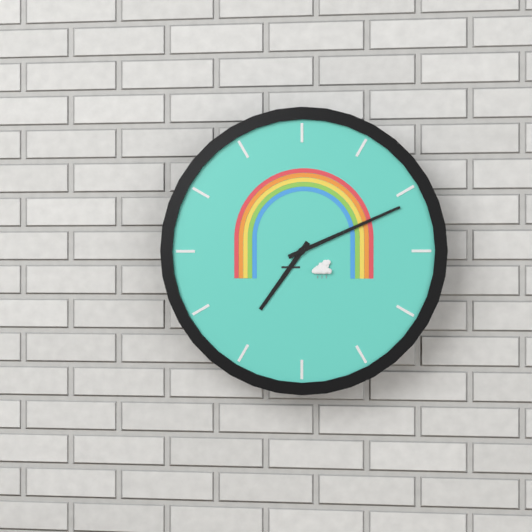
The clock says 7:11
